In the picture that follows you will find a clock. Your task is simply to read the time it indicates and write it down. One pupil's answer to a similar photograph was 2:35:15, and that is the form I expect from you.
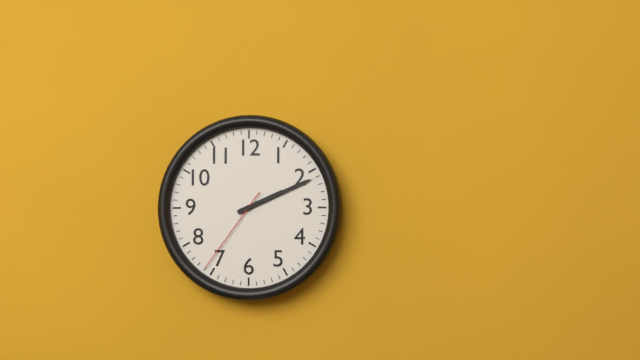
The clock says 2:11:36
